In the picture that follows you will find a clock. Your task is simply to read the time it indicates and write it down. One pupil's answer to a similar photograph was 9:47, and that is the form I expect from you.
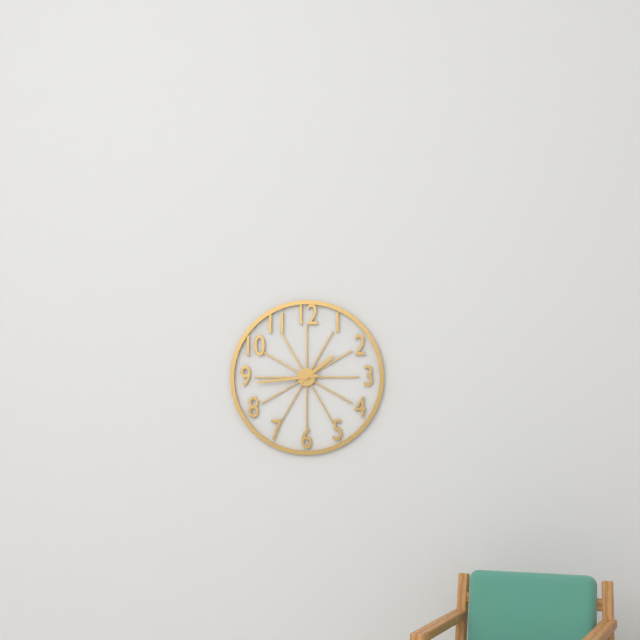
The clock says 1:44
